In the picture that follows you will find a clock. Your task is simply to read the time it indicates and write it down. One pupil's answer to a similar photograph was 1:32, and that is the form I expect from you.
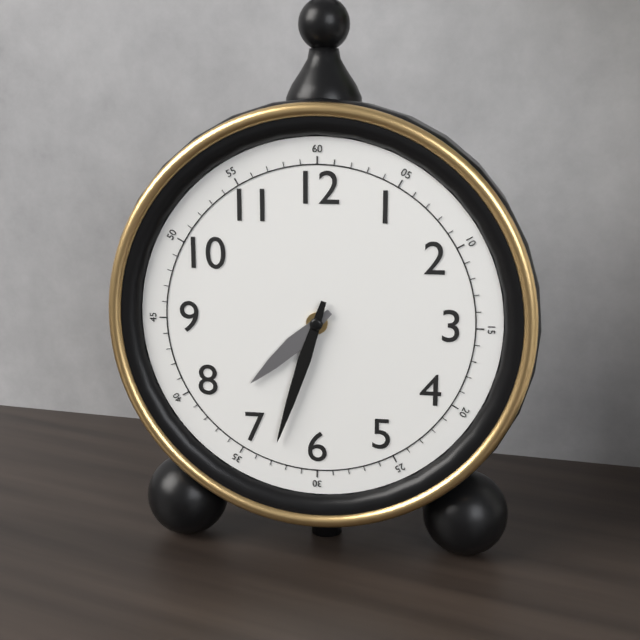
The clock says 7:33
